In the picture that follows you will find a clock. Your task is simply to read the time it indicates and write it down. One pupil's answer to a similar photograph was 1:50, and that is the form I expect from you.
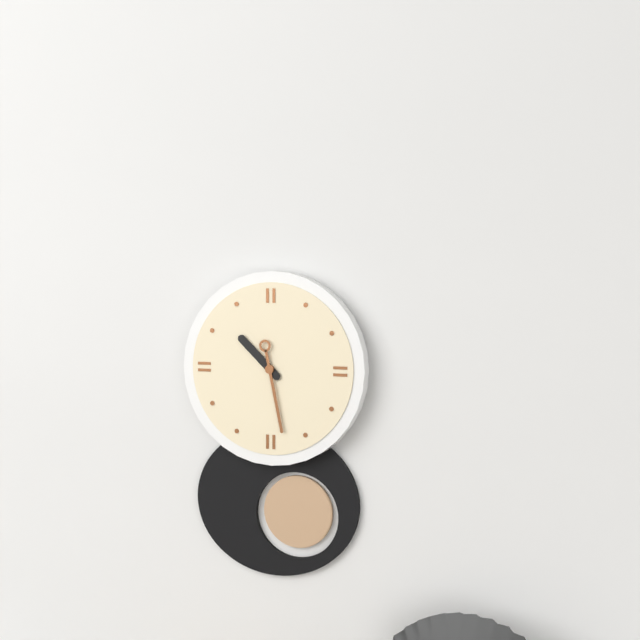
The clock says 10:28
